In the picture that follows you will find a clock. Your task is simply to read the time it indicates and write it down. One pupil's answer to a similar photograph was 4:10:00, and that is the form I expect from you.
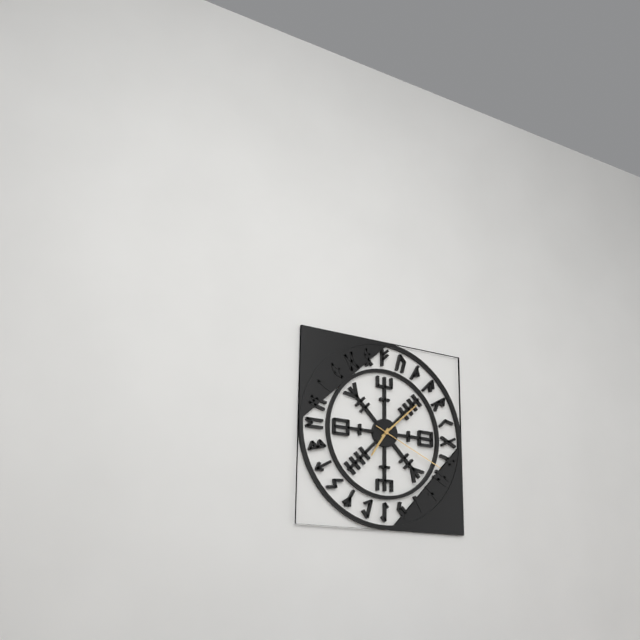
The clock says 7:08:19
